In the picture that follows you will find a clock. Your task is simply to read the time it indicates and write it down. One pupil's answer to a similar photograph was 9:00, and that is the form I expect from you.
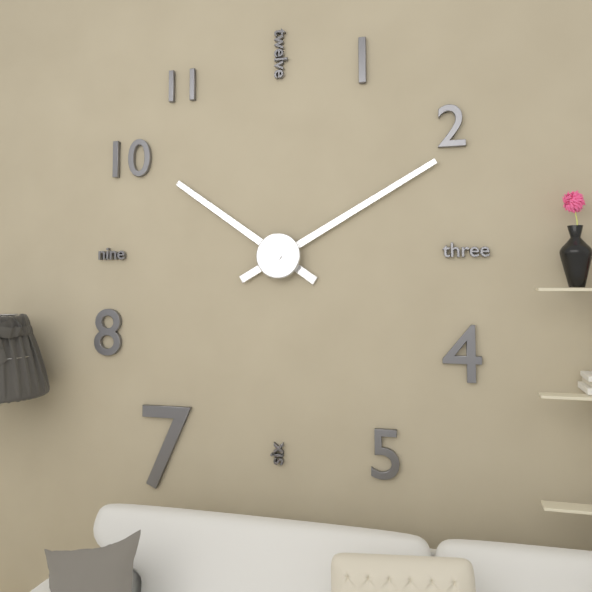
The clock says 10:10
